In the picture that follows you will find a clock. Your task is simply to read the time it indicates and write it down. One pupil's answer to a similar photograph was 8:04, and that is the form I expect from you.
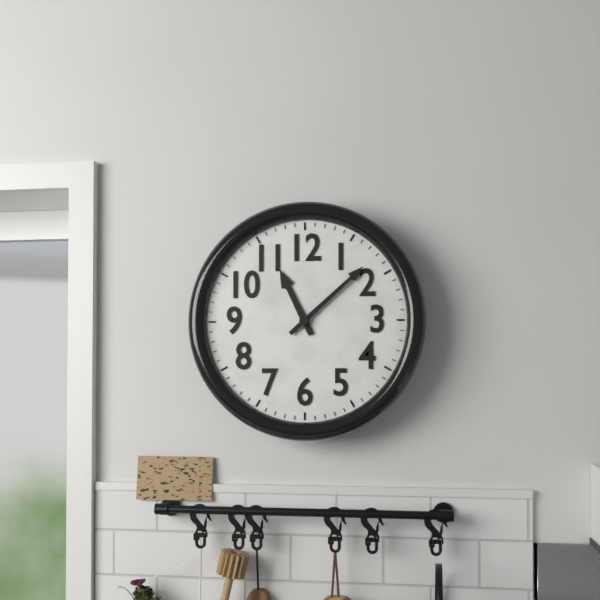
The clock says 11:08
